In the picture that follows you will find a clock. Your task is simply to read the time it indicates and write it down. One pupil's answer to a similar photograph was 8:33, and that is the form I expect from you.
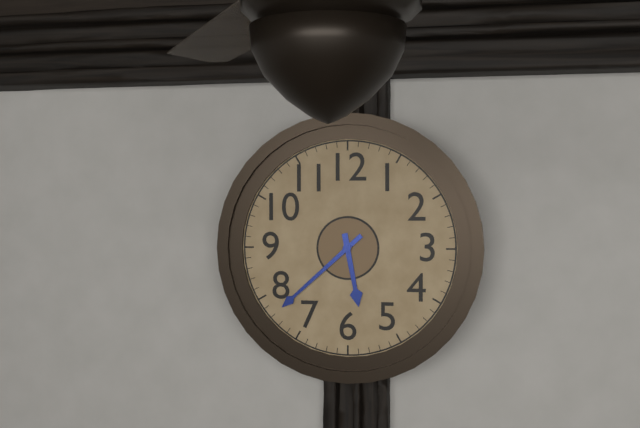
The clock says 5:38
